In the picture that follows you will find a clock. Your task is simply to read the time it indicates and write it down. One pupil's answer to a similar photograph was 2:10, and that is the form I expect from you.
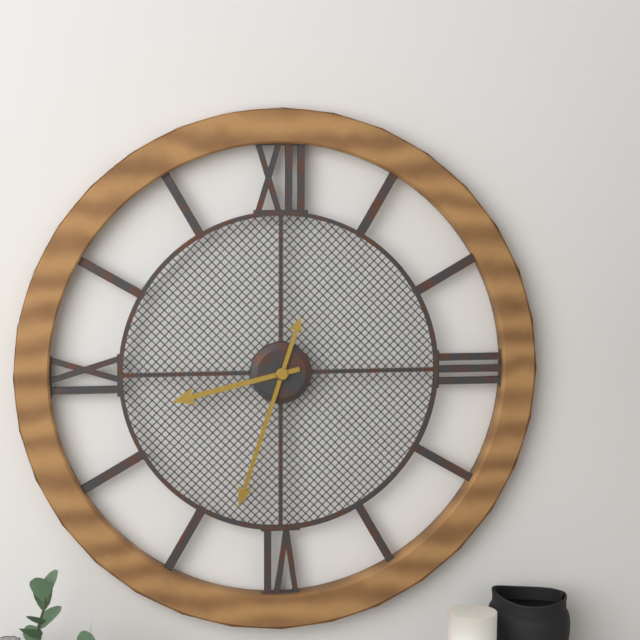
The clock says 8:33
